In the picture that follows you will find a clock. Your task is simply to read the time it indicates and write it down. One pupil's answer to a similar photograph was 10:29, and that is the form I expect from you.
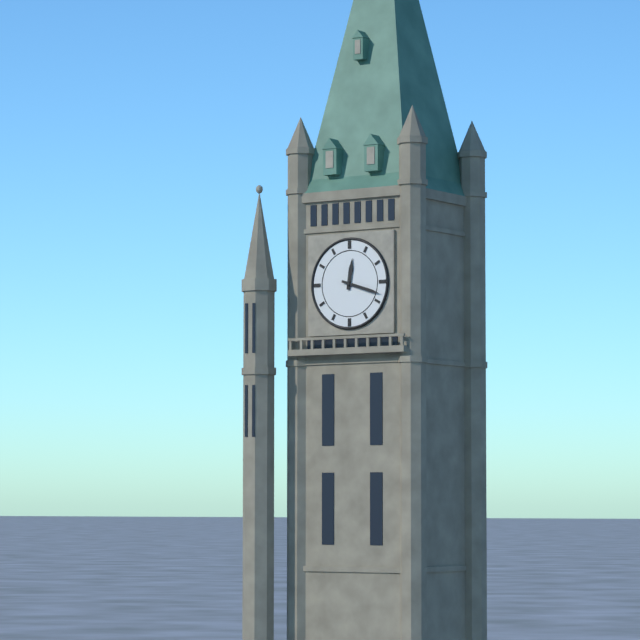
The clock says 12:18
